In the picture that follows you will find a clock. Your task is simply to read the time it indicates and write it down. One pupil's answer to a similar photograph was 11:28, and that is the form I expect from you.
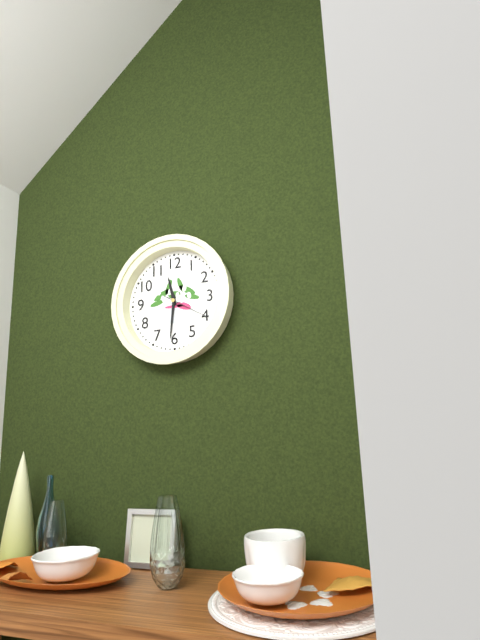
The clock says 11:31
